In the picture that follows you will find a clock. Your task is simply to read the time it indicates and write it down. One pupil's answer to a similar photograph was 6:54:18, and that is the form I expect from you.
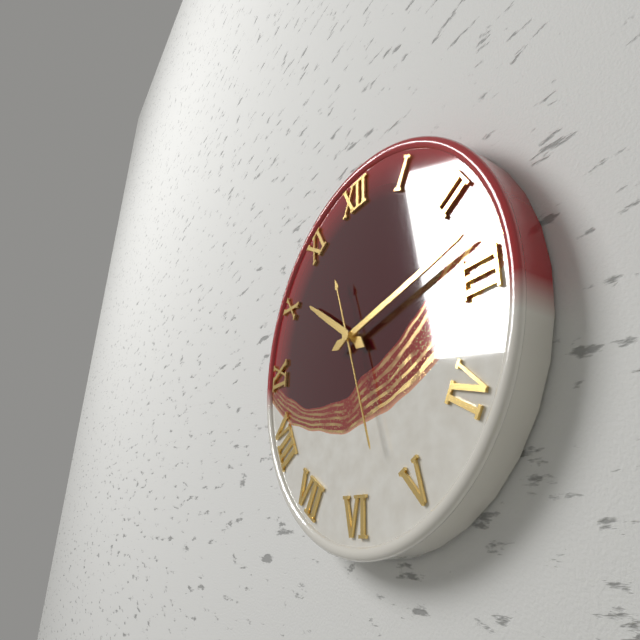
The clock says 10:13:27
